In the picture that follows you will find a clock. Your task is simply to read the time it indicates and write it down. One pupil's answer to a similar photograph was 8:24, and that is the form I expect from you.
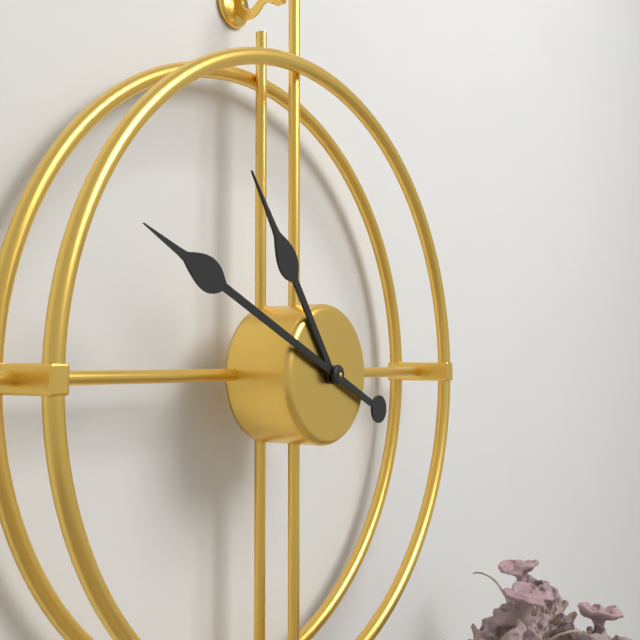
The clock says 10:49
